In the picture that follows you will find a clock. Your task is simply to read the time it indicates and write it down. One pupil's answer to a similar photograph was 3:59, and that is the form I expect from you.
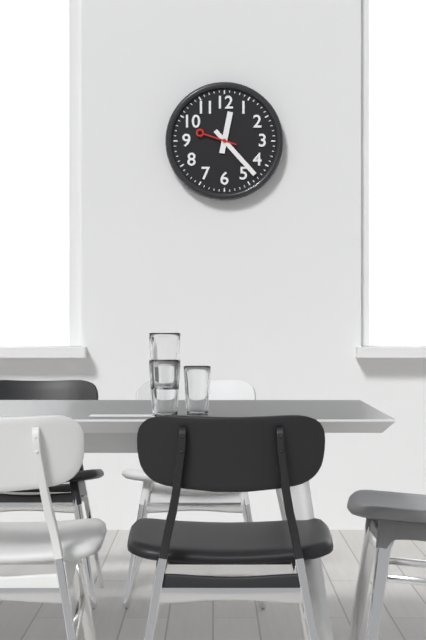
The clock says 12:23
